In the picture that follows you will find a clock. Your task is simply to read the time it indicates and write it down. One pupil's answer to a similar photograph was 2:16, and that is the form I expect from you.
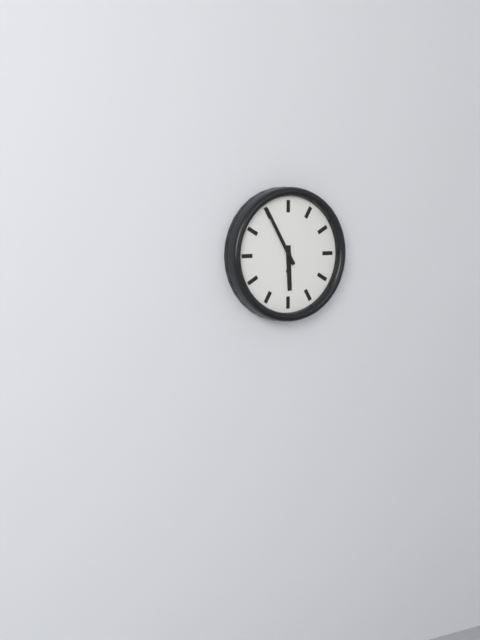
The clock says 5:55
